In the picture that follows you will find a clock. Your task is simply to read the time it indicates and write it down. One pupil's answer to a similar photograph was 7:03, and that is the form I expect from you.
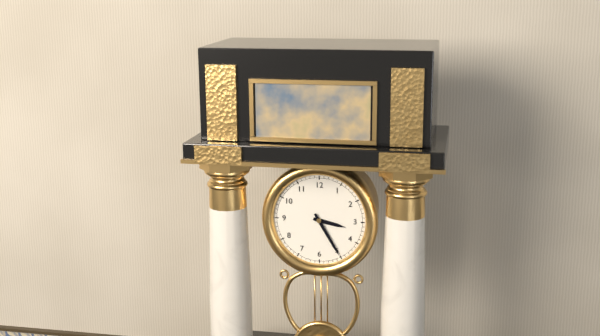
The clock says 3:25
